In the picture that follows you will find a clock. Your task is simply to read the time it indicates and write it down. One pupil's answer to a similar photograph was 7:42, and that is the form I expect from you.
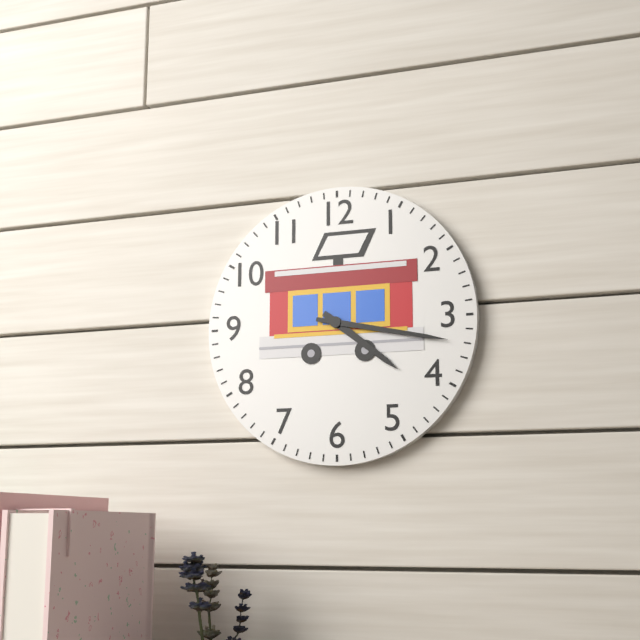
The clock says 4:17
